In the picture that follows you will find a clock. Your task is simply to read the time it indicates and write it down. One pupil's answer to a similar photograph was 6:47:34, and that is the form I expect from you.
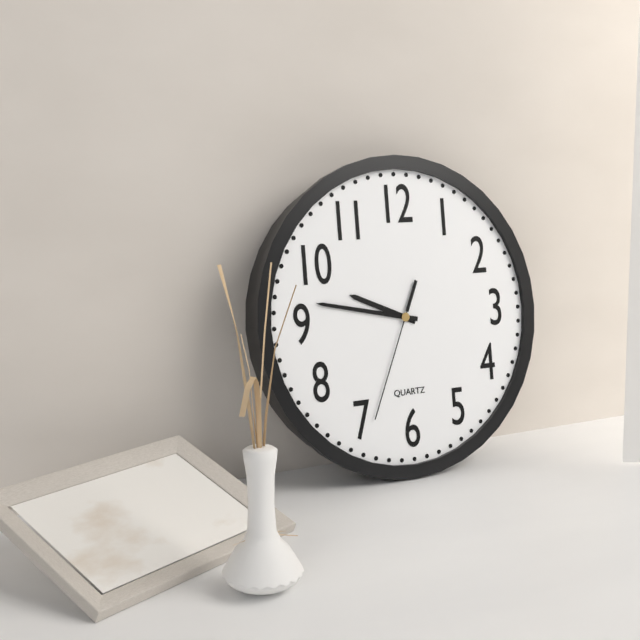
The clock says 9:47:34
